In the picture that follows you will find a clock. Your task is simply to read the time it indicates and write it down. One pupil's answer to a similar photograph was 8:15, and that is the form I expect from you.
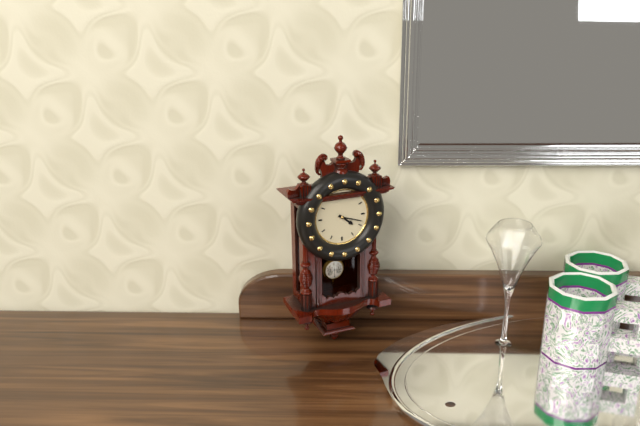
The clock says 4:18
